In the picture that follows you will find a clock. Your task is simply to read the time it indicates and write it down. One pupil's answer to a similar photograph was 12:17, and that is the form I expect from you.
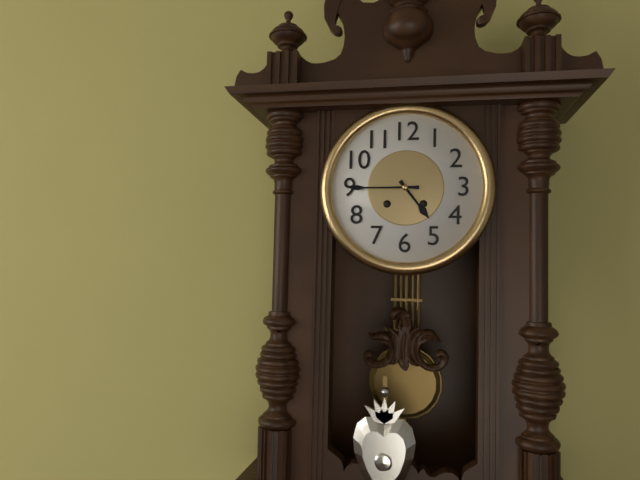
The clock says 4:45
